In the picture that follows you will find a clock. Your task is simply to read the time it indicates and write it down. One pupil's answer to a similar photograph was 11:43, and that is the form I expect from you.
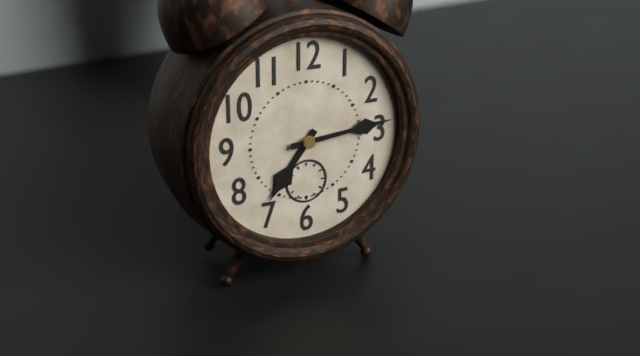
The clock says 7:14
